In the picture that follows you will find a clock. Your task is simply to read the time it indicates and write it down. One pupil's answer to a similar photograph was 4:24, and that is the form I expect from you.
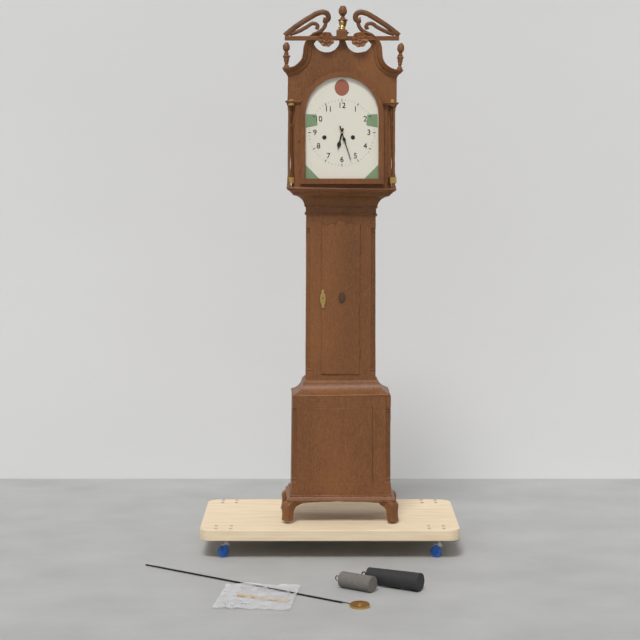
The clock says 6:27
